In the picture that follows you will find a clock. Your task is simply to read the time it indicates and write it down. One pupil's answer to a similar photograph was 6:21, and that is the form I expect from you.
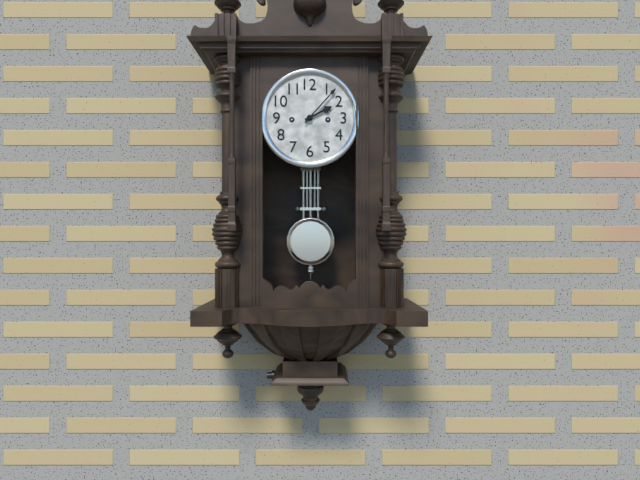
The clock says 2:07
